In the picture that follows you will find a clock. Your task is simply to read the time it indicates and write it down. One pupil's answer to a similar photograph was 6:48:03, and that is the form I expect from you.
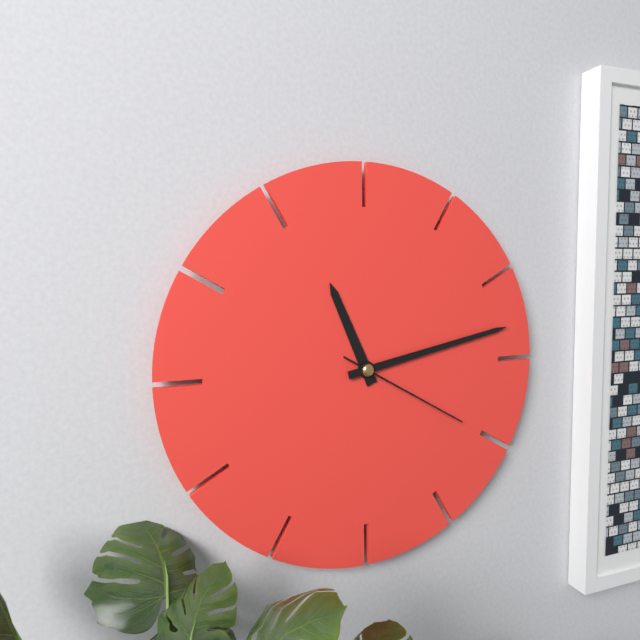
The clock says 11:13:20
